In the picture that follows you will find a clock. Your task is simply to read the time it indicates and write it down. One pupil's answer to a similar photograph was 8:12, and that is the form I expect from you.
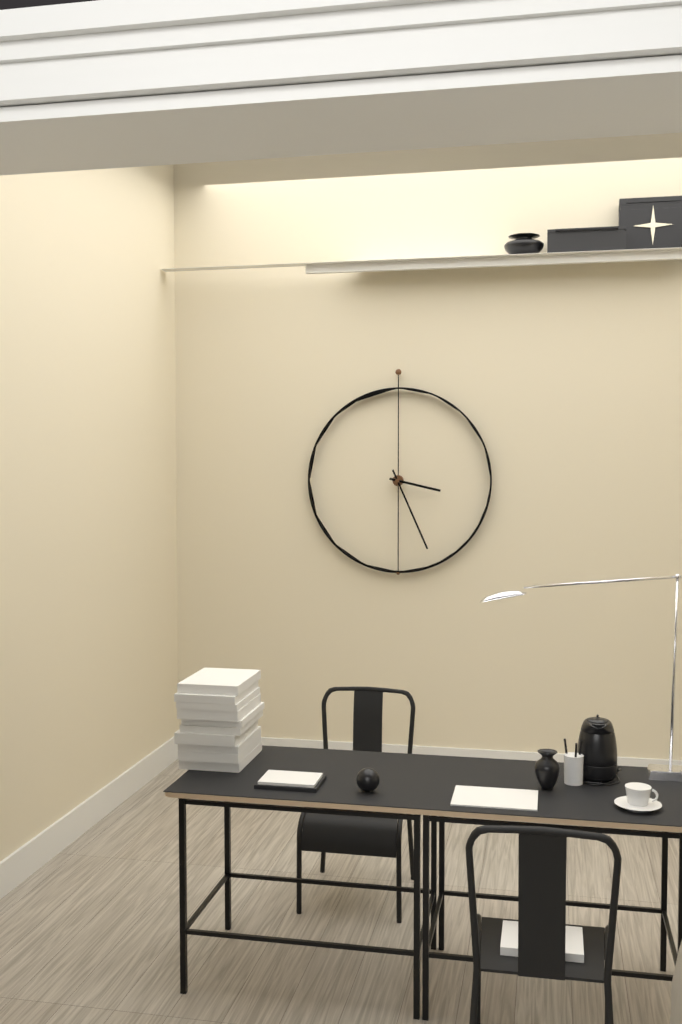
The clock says 3:26
